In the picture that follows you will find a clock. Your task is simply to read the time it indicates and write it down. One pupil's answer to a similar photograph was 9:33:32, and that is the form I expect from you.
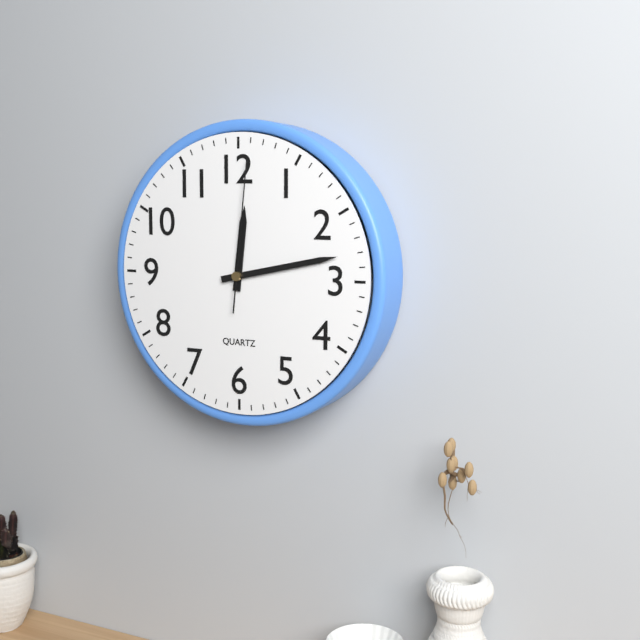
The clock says 12:13:01
